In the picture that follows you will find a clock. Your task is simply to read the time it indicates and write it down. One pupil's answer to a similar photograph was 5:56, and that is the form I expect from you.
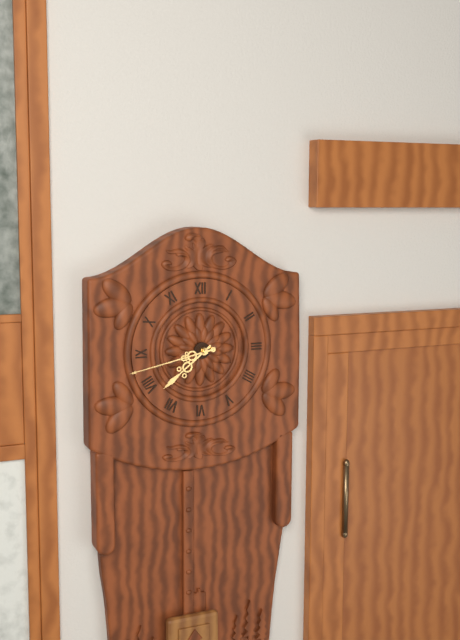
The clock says 7:43
